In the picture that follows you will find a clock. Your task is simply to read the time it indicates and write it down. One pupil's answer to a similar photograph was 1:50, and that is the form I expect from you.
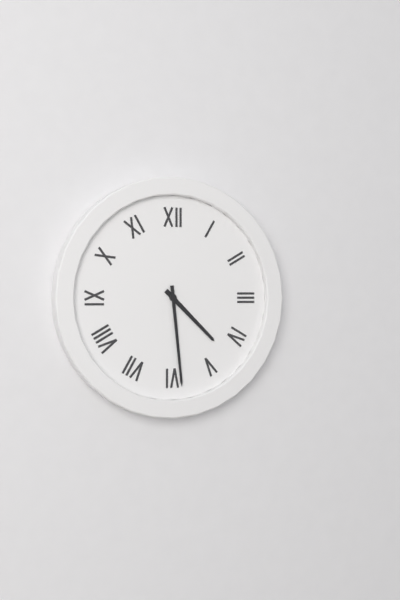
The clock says 4:29
